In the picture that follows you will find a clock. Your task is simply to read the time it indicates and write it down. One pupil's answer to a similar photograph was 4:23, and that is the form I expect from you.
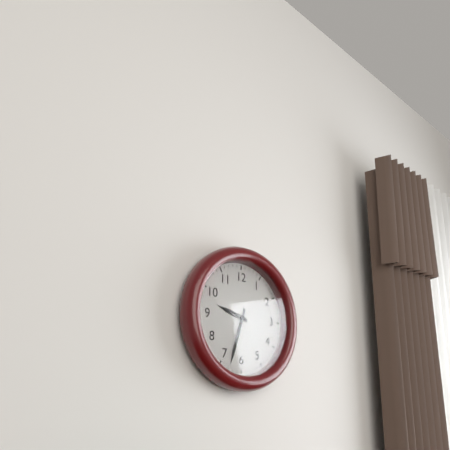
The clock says 9:33
